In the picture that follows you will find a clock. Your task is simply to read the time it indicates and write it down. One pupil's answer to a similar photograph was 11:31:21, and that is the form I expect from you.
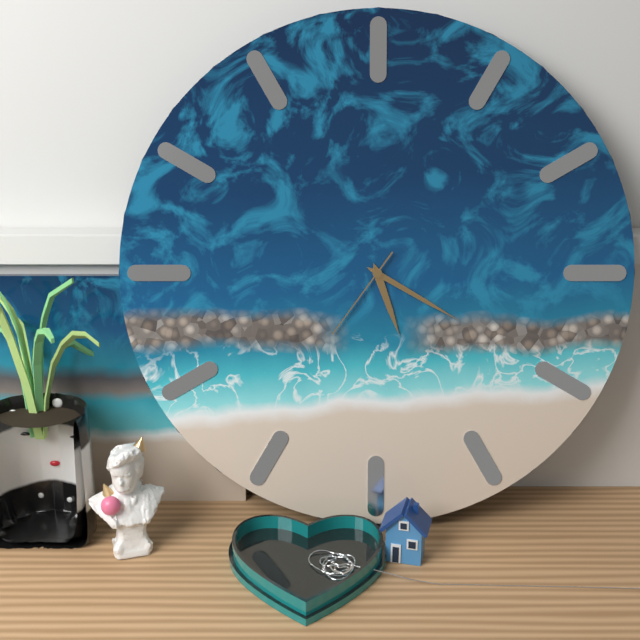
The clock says 5:20:36
